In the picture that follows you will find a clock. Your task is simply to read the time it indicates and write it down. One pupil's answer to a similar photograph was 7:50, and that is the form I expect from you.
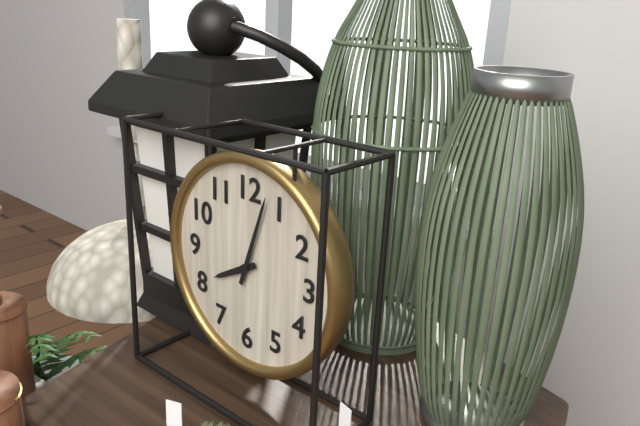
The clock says 8:03
